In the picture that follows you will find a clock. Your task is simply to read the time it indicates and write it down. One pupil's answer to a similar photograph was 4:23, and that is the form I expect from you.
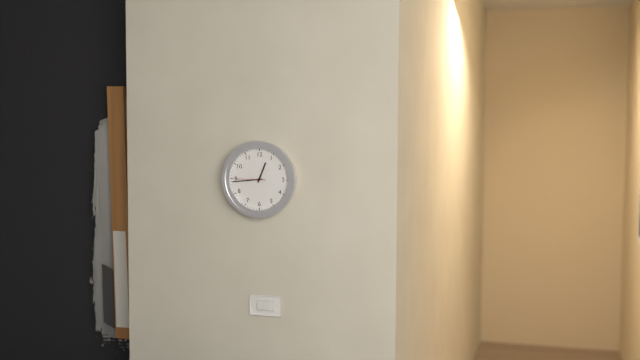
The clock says 12:44
